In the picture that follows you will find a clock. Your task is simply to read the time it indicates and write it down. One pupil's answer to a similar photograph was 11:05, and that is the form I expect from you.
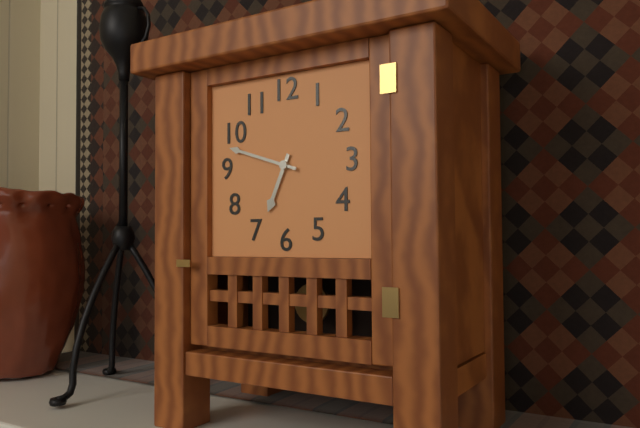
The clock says 6:48
